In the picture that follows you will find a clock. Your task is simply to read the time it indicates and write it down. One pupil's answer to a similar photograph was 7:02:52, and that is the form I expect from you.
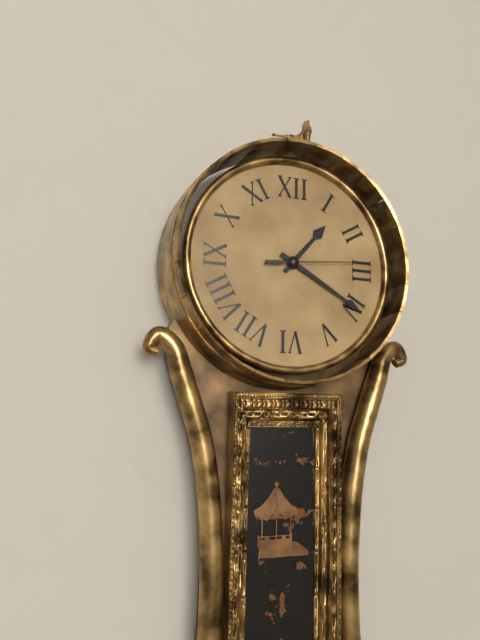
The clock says 1:20:14
